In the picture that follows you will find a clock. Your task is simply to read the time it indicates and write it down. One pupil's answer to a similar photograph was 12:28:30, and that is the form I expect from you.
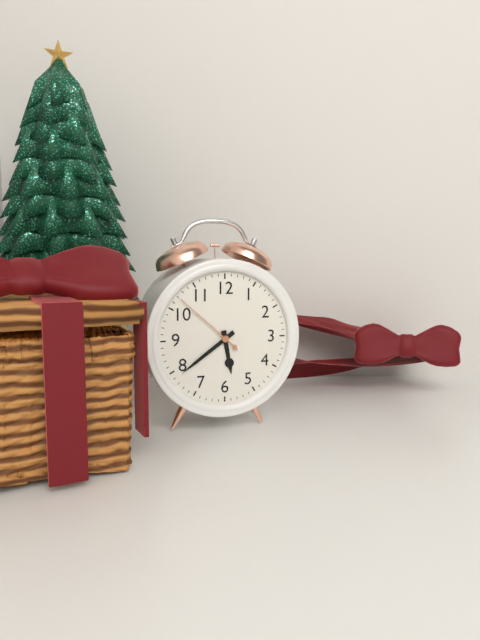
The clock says 5:39:52
